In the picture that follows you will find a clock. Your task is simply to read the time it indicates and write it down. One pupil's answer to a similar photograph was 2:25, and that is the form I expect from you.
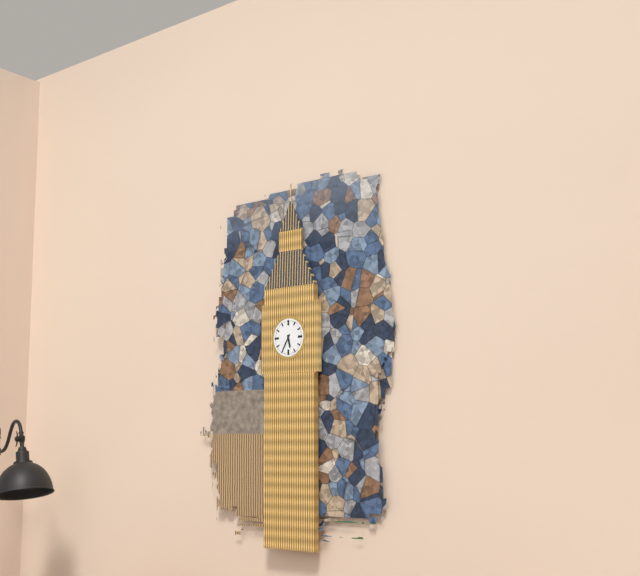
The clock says 5:35
